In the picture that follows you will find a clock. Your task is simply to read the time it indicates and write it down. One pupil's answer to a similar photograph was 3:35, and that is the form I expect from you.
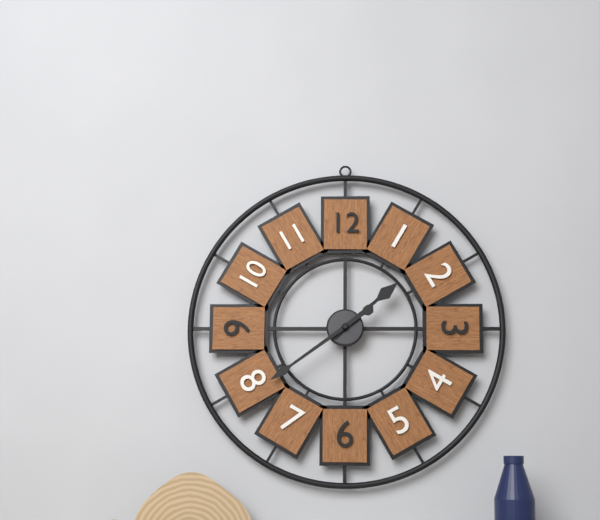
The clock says 1:39
